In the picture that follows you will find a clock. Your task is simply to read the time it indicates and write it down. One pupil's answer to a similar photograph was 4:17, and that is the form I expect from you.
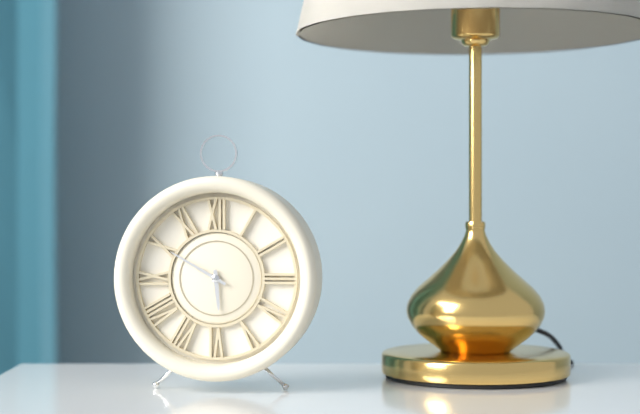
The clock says 5:50
